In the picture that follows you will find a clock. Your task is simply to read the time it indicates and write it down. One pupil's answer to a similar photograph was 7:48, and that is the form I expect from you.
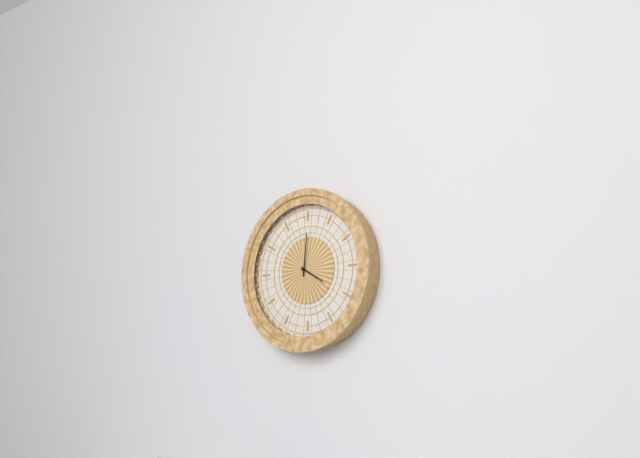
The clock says 4:01
